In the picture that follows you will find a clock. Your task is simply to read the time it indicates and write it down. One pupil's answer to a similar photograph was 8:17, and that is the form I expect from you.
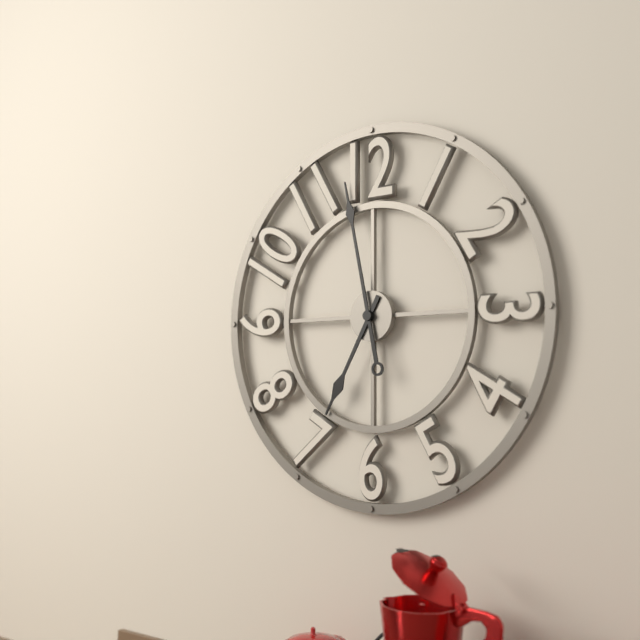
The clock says 6:58
